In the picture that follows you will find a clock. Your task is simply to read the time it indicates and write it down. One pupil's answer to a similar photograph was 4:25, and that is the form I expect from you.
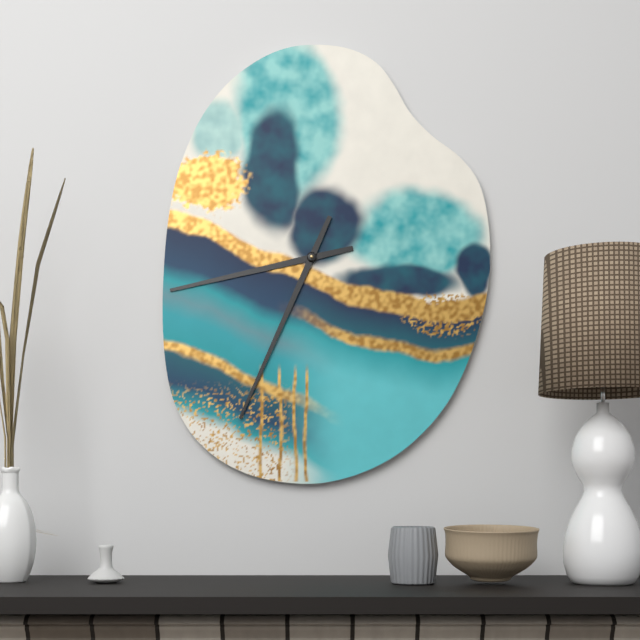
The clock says 8:34
